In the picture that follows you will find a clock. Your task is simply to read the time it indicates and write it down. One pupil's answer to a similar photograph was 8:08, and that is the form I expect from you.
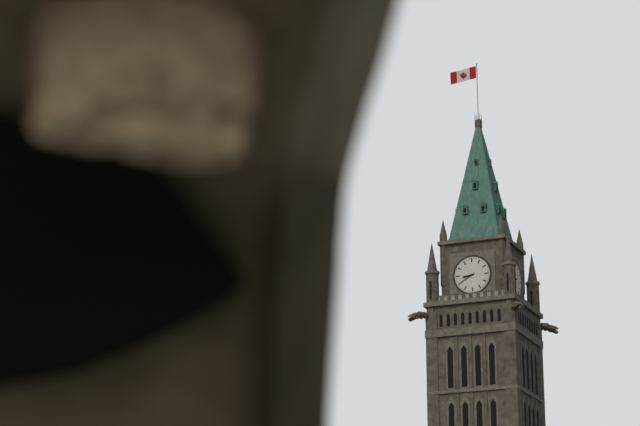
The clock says 8:40
